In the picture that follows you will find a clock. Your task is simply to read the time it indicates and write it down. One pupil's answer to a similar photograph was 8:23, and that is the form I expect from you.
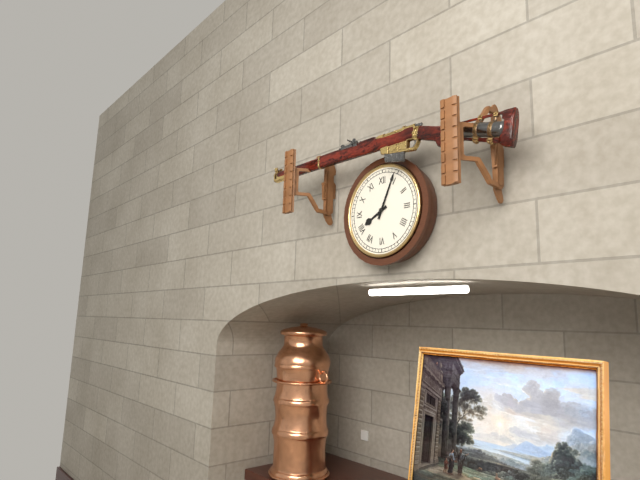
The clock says 8:04
